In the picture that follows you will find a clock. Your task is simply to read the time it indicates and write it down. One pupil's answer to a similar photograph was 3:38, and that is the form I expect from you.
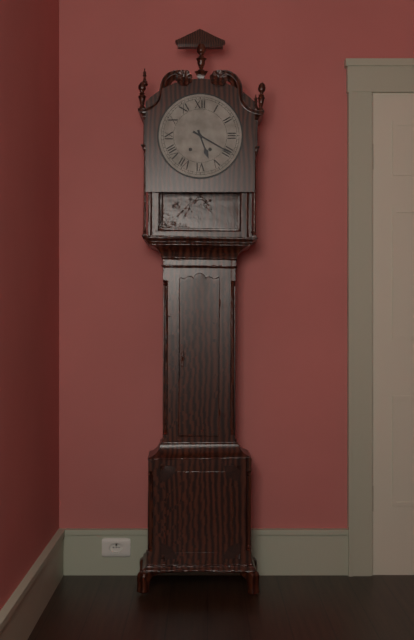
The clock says 5:20
